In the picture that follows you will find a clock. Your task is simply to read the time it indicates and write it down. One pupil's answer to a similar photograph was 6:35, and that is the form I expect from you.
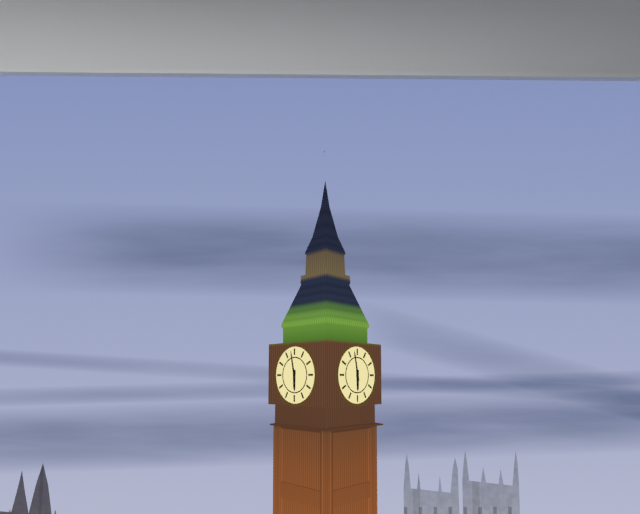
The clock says 5:58
